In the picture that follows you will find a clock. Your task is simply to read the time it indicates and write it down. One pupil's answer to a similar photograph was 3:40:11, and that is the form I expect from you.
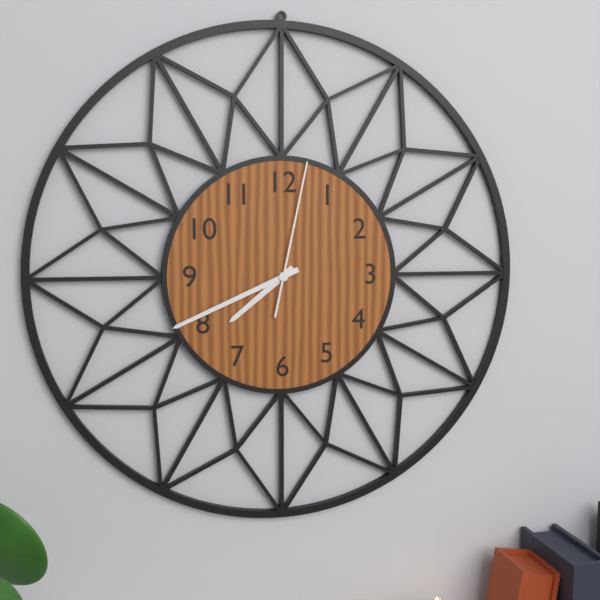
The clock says 7:41:02
